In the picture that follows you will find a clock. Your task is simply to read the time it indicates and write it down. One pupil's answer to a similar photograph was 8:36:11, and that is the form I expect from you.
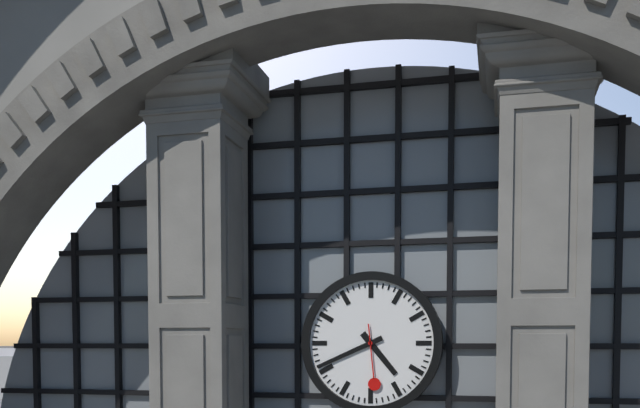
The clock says 4:41:29
